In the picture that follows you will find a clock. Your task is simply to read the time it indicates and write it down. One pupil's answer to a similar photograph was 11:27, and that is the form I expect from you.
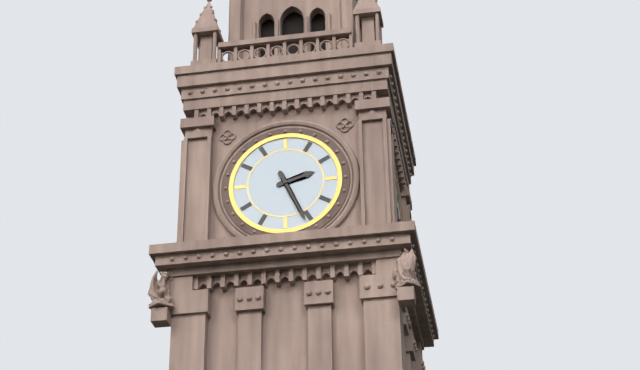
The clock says 2:26
